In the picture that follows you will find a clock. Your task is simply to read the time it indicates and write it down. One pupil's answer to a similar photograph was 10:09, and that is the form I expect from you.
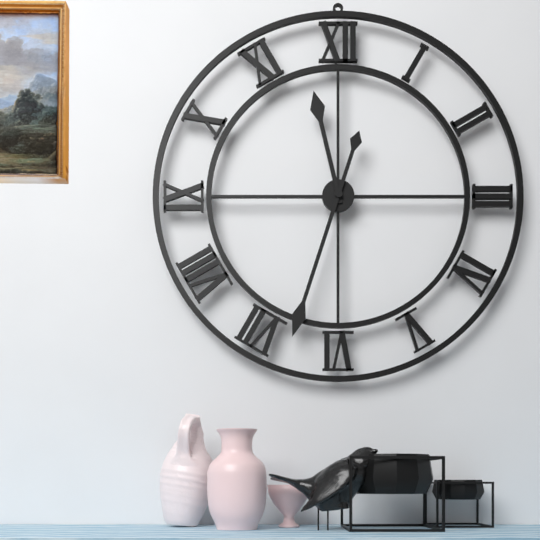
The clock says 11:33
